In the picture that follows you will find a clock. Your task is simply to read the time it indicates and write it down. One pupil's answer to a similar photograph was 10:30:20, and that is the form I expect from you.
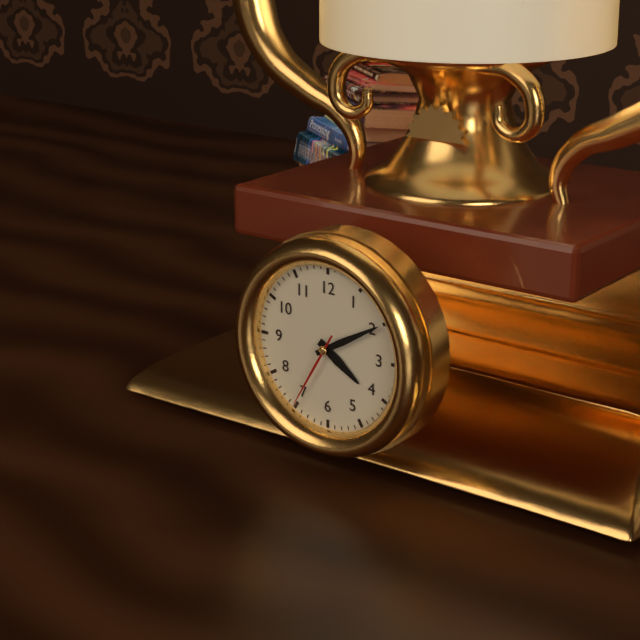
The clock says 4:10:35
